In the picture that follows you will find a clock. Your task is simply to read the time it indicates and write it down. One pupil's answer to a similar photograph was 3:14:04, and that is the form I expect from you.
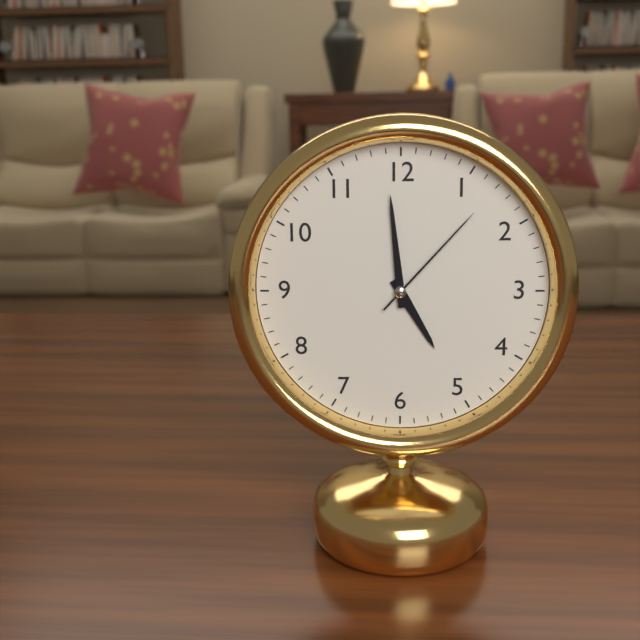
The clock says 4:59:07
